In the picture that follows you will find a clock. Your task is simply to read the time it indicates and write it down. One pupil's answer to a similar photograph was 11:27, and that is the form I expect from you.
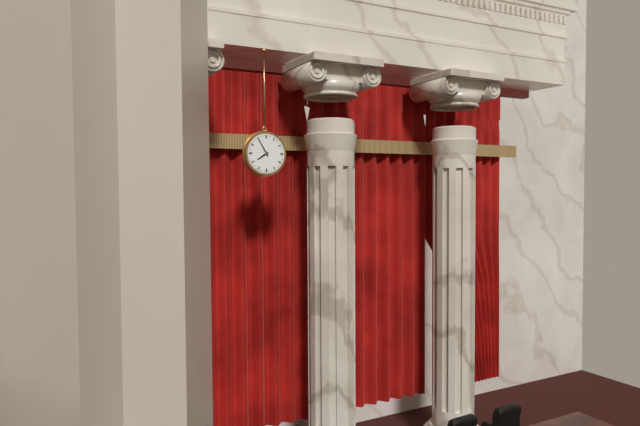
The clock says 7:55
